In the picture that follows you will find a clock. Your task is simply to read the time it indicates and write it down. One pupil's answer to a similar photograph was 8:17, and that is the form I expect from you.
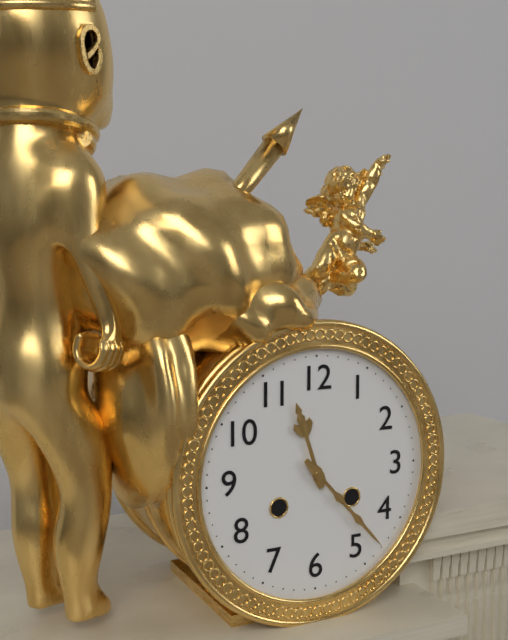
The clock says 11:23
